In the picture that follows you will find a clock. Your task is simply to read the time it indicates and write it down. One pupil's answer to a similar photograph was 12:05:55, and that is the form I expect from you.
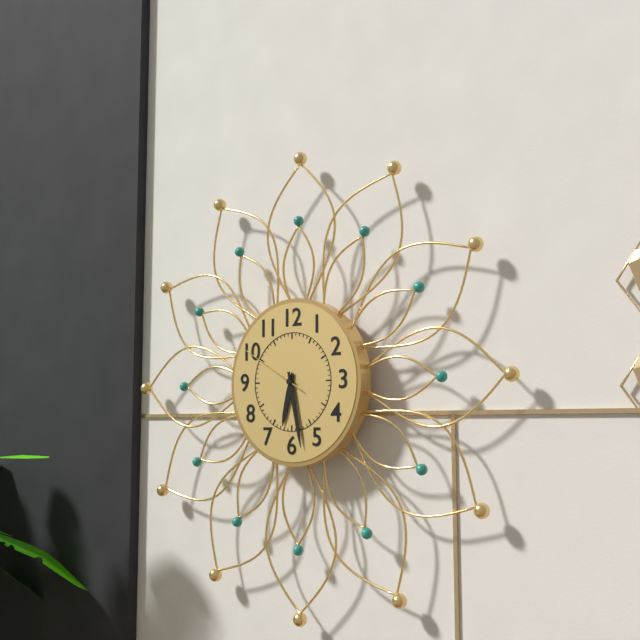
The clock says 6:28:50
